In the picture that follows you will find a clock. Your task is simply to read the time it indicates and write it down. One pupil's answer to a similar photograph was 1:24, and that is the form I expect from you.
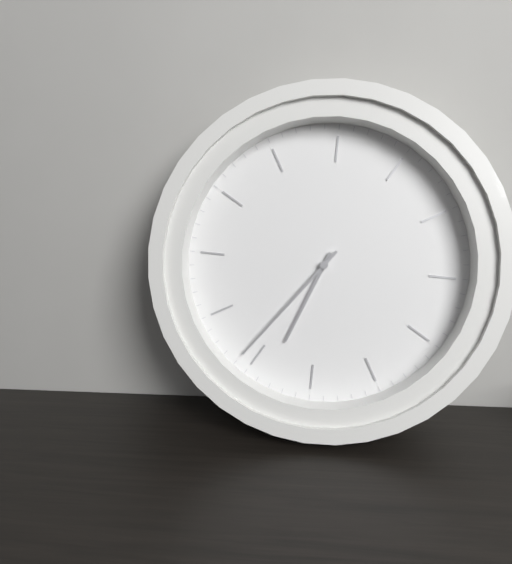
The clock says 7:41
